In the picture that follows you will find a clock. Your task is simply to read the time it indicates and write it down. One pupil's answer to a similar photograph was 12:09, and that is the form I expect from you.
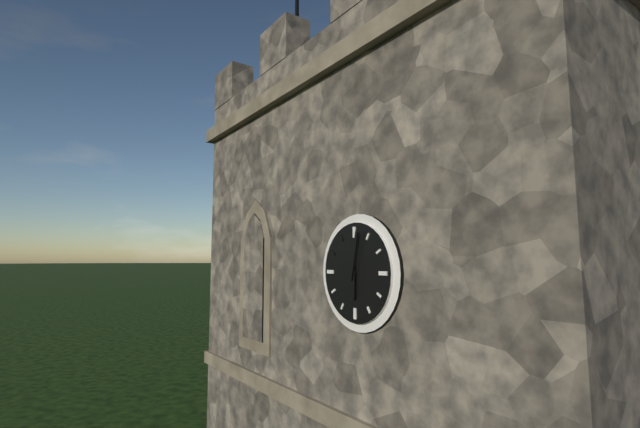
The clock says 6:02
